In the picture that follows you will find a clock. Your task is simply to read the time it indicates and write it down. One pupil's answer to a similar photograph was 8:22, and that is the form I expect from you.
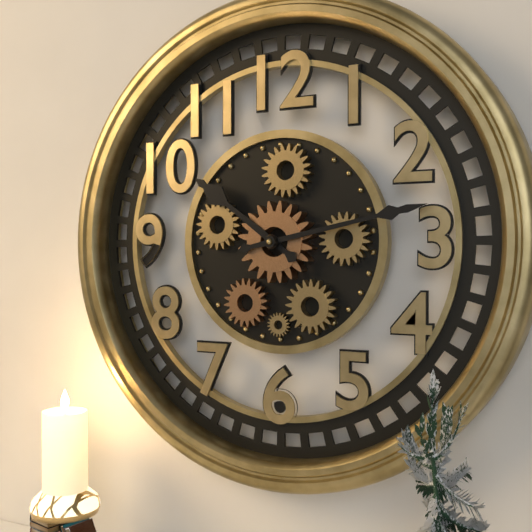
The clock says 10:13
